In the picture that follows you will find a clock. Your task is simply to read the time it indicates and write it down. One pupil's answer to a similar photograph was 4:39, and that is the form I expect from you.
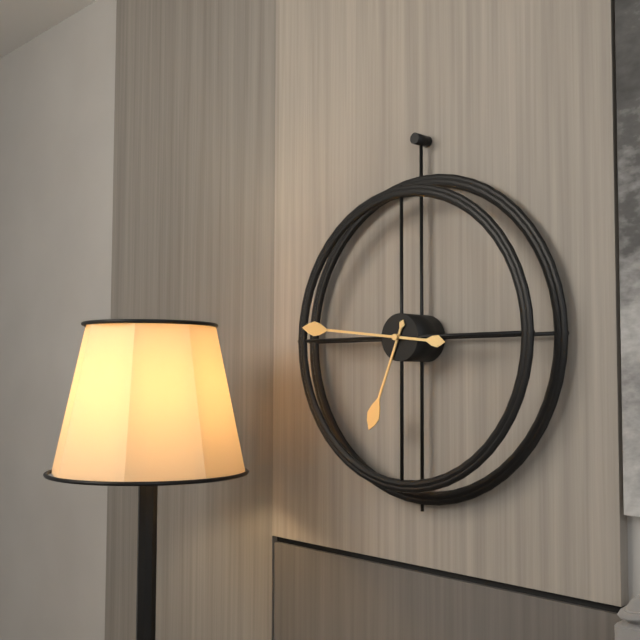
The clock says 6:46
